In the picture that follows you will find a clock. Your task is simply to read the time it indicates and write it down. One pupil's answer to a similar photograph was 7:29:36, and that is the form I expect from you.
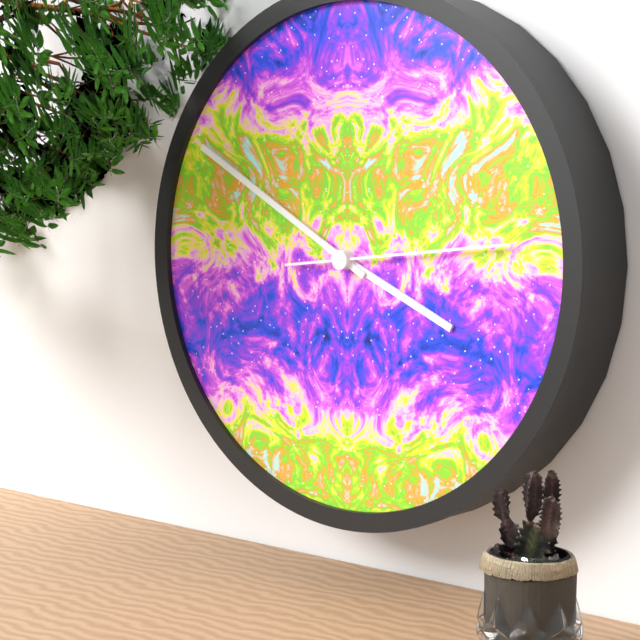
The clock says 3:50:14
